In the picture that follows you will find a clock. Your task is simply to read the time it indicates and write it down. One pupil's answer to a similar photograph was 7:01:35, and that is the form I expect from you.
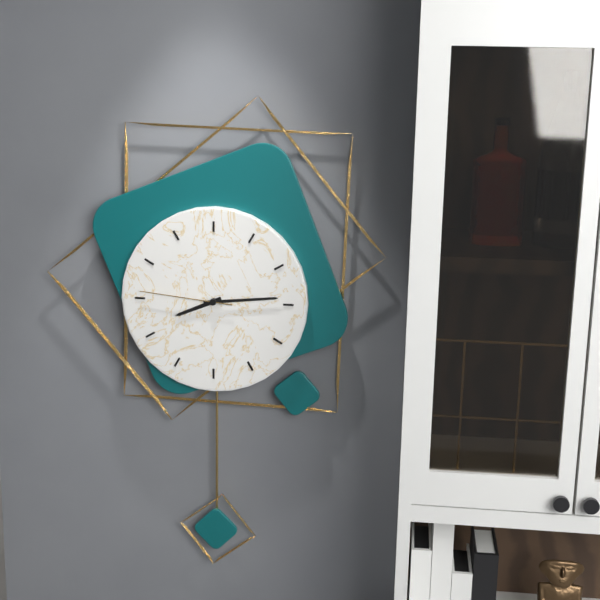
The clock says 8:14:46
